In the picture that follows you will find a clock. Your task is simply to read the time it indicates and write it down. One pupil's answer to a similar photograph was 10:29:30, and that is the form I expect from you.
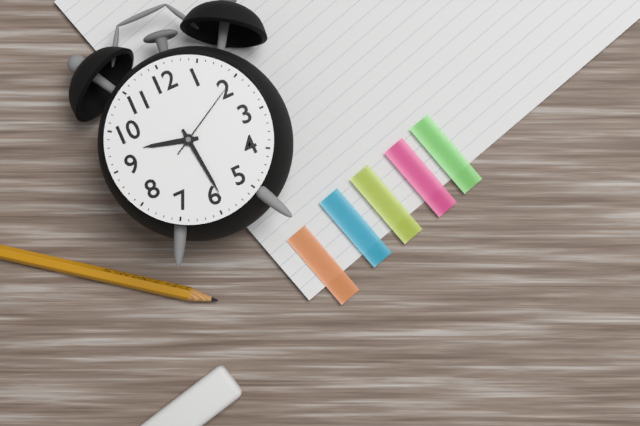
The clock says 9:29:10
